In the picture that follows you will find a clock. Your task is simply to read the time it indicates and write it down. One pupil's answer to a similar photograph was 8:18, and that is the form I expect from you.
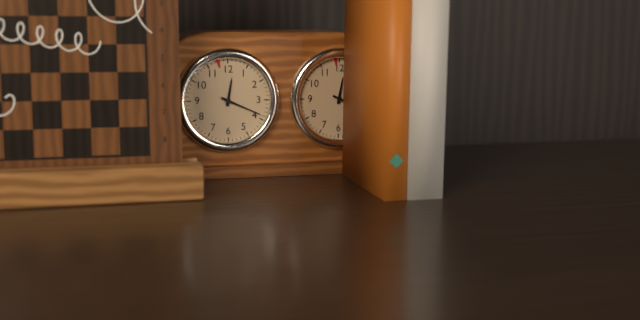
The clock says 12:19
